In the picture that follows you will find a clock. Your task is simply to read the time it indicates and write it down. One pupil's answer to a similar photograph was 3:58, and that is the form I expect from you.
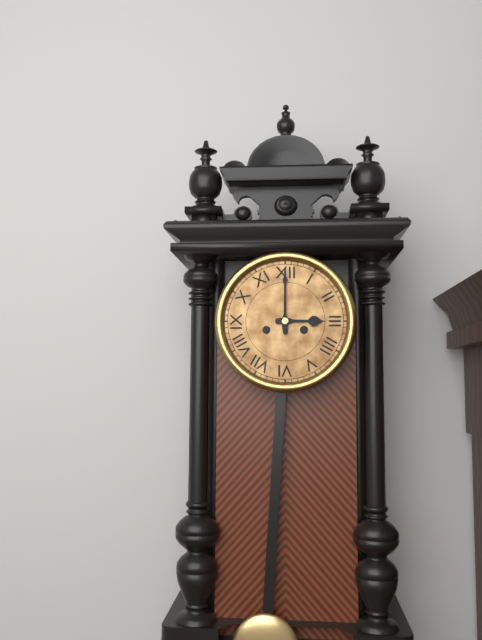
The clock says 3:00
